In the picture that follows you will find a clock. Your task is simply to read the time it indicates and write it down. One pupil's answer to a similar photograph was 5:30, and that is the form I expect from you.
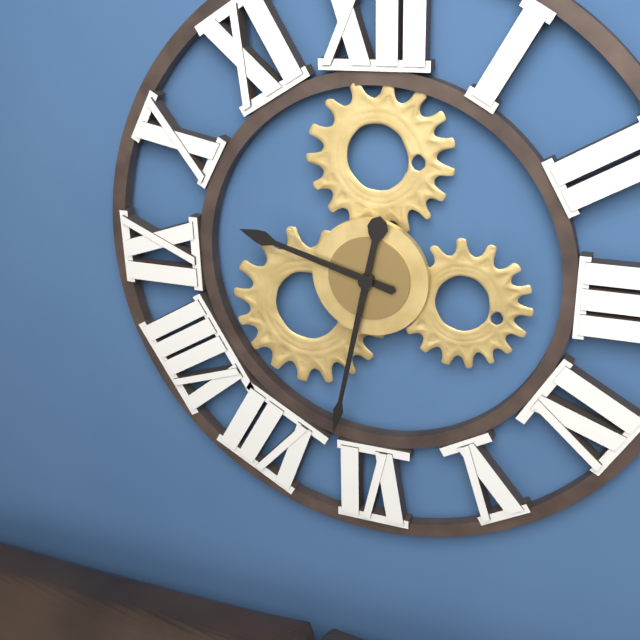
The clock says 9:32
